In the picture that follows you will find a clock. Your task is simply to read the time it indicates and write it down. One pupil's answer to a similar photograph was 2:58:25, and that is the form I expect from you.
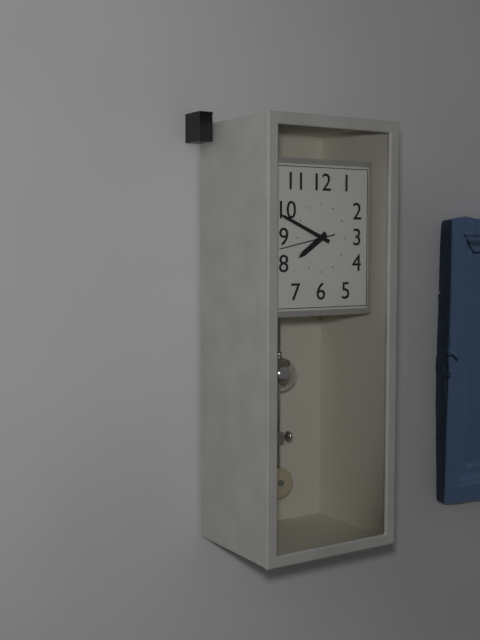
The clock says 7:49:43
